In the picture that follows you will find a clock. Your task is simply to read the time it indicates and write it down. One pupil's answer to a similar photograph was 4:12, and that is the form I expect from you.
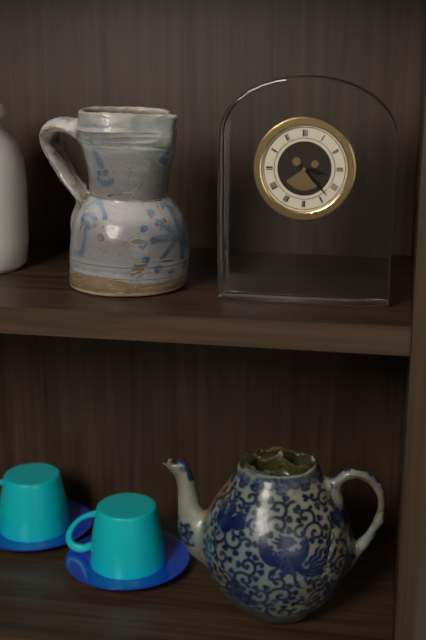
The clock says 3:23
